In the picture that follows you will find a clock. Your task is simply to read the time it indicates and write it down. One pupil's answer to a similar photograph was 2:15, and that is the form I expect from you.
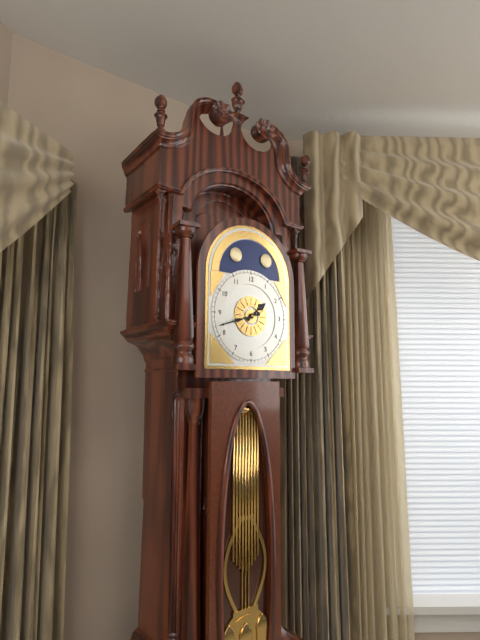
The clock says 1:42
